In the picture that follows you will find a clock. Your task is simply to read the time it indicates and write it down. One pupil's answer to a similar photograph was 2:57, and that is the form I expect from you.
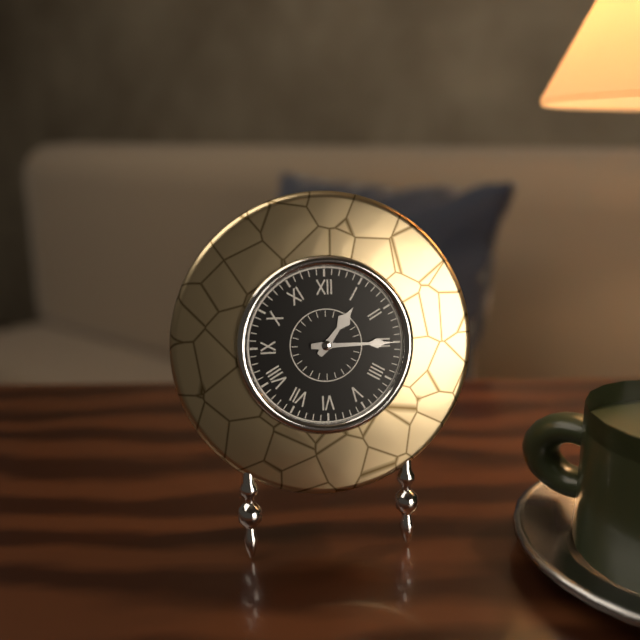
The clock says 1:15
